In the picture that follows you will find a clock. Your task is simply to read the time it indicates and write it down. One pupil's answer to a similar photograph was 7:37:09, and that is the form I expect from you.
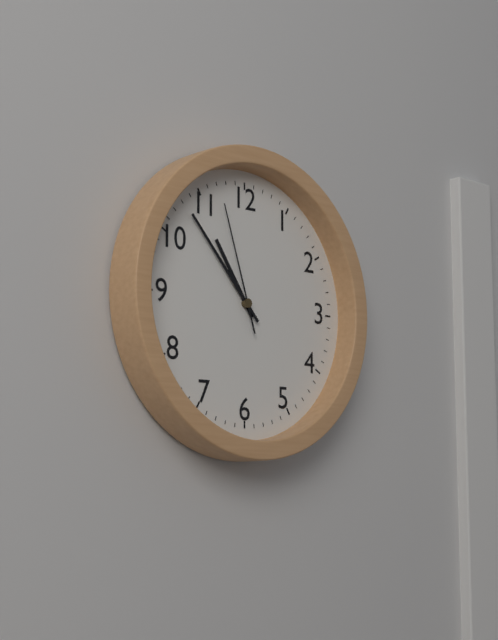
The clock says 10:53:57
